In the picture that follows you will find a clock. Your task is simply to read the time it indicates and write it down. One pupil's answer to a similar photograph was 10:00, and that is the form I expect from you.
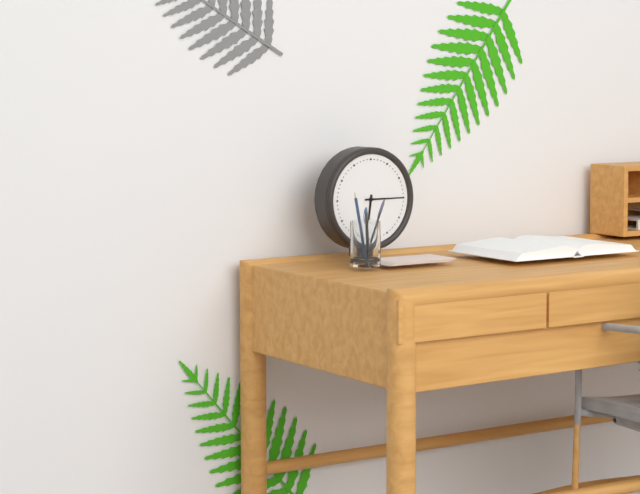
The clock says 6:15
